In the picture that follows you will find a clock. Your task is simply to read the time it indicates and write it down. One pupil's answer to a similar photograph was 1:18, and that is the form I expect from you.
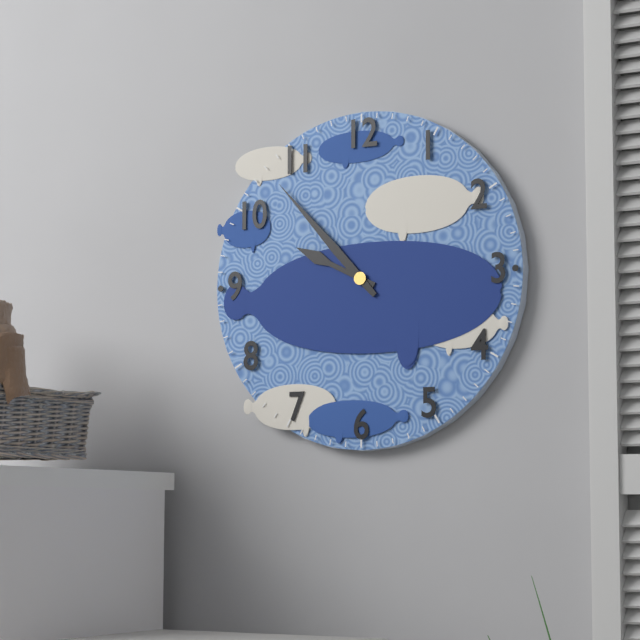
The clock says 9:53
